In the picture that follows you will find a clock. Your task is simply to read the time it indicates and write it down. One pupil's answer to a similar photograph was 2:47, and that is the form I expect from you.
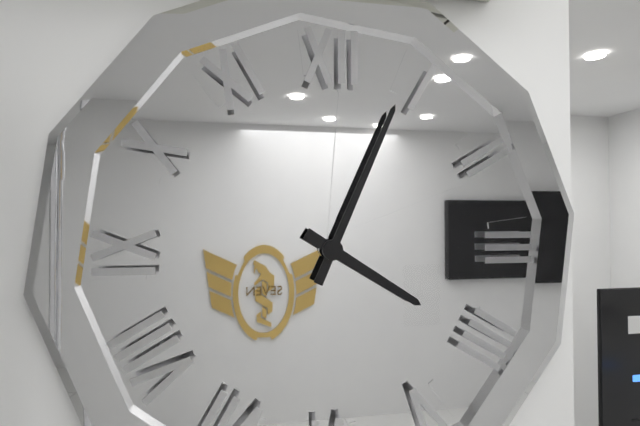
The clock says 4:04
